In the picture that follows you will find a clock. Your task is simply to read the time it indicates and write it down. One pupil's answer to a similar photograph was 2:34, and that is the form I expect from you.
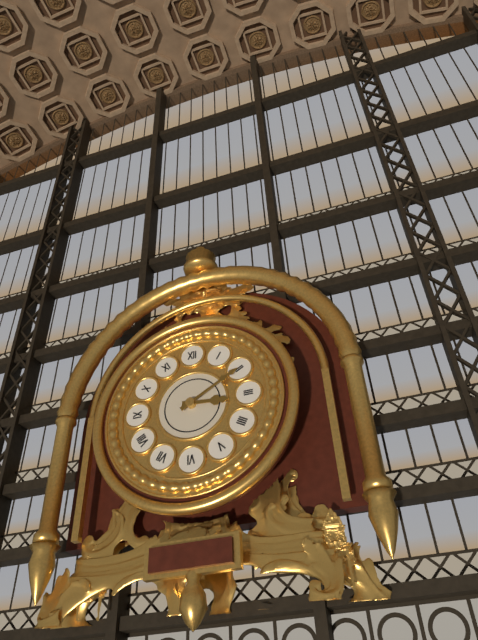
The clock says 3:10
